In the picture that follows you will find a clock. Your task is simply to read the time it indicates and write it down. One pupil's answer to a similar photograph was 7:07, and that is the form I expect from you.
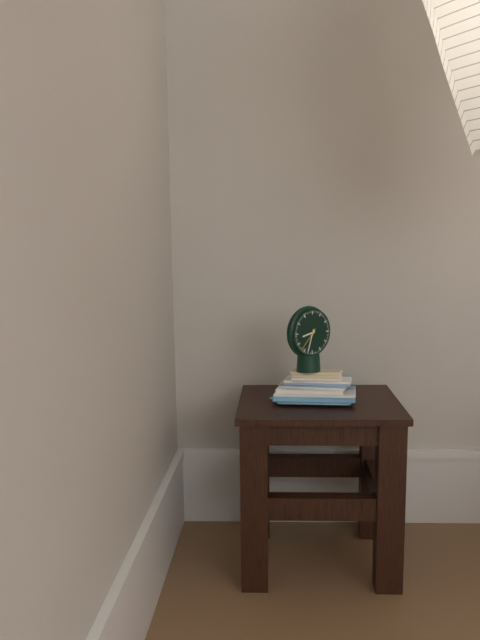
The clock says 8:33
